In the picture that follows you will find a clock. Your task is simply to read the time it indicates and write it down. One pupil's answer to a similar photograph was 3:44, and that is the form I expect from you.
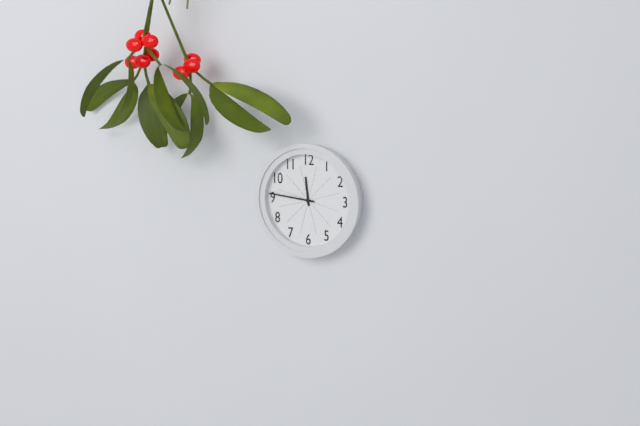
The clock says 11:46
